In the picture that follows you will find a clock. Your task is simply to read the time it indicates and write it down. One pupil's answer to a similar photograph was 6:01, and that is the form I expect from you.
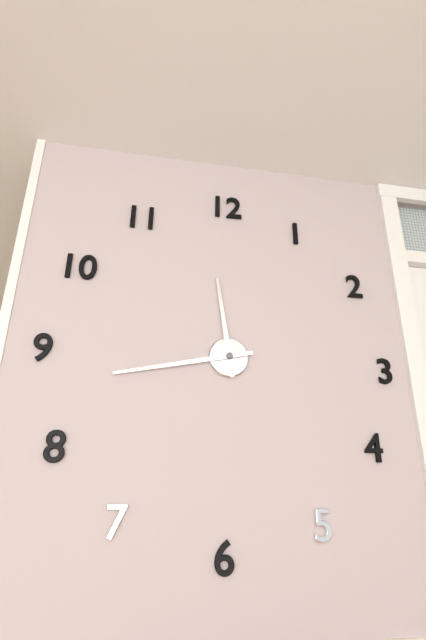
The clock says 11:43
